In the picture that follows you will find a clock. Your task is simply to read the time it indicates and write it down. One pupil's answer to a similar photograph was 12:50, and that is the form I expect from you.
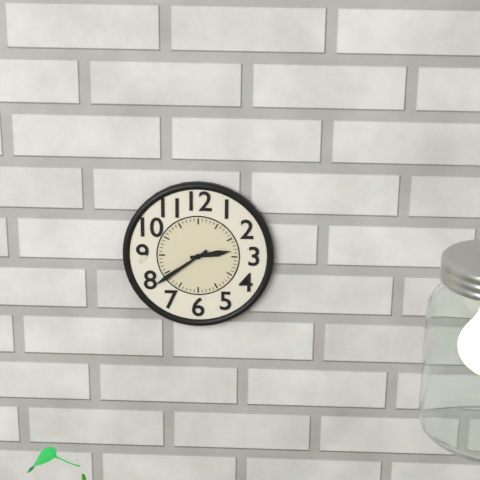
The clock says 2:39
